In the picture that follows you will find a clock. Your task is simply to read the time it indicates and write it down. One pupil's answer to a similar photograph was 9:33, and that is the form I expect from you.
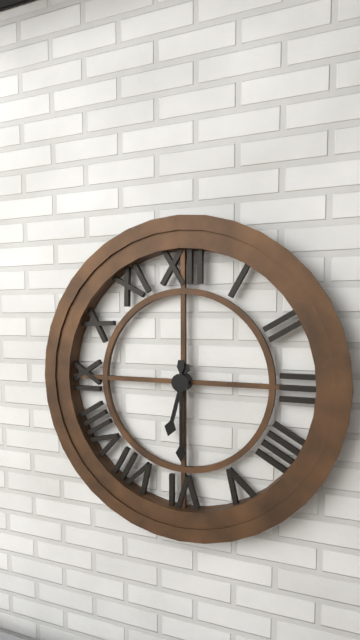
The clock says 6:30
